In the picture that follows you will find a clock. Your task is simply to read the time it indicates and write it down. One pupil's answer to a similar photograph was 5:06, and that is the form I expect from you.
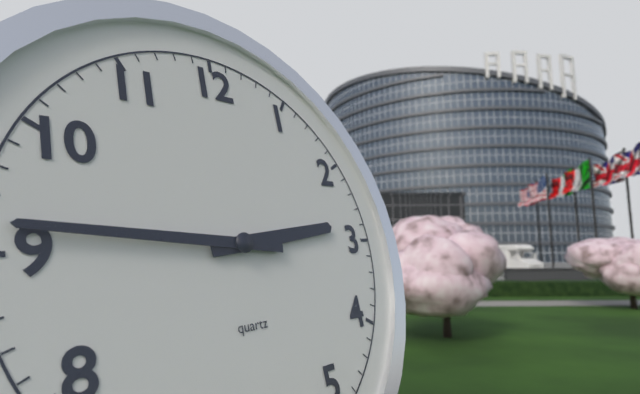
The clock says 2:46
